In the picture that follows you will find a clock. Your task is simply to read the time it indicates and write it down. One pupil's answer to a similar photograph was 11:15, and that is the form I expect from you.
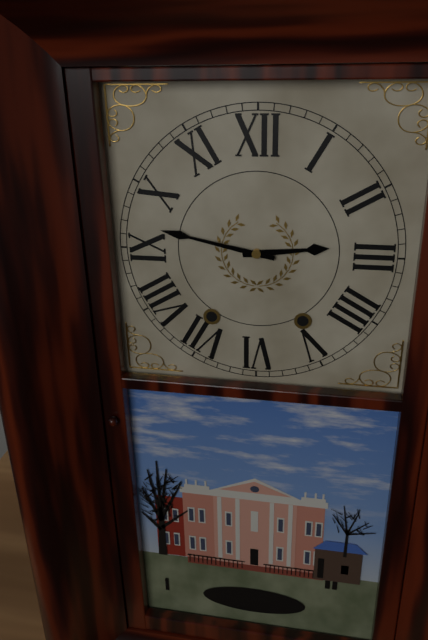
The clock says 2:47
